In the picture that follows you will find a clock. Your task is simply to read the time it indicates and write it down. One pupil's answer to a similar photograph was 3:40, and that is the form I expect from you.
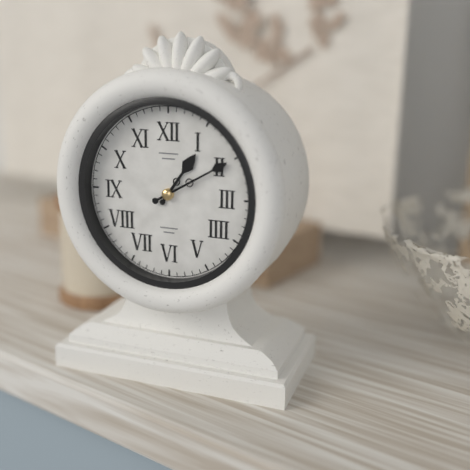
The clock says 1:10
